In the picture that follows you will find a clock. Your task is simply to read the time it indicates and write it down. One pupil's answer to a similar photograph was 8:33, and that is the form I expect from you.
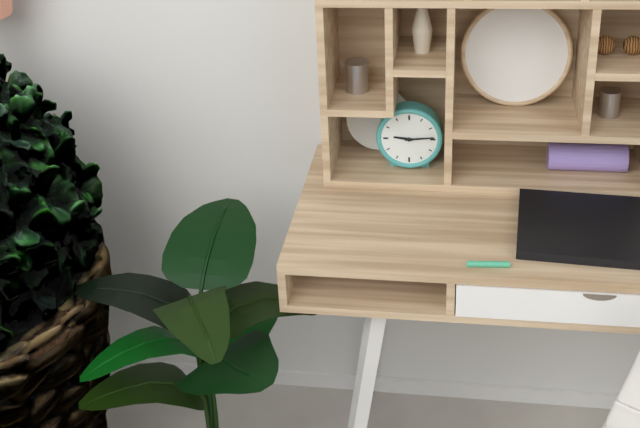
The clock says 9:14
